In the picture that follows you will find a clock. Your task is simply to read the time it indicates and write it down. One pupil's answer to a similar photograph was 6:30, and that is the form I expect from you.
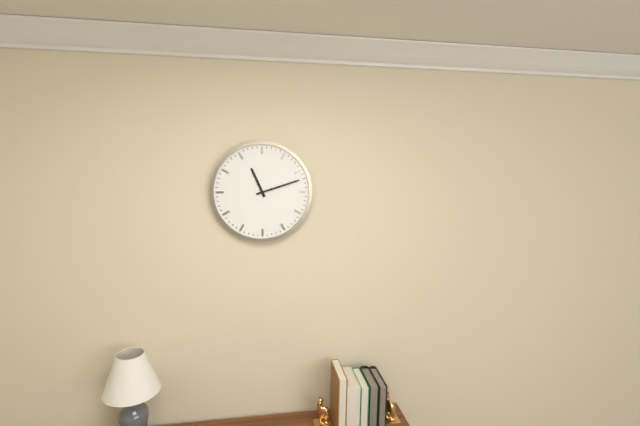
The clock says 11:12
